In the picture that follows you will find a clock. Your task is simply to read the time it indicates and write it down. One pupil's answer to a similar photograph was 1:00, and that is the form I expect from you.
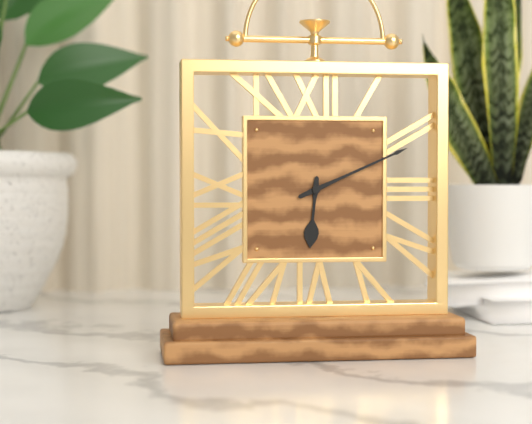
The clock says 6:11
